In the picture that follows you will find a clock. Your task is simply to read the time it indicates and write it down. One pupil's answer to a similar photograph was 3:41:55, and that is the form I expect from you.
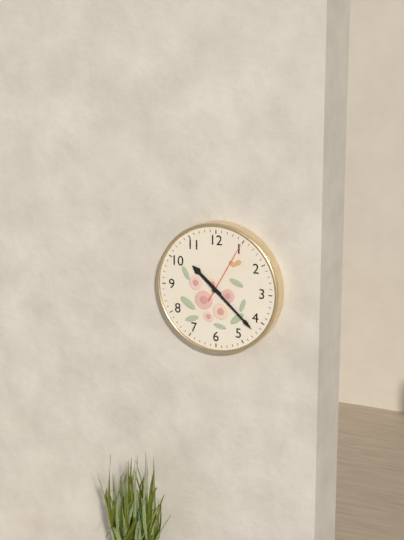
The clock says 10:22:05
